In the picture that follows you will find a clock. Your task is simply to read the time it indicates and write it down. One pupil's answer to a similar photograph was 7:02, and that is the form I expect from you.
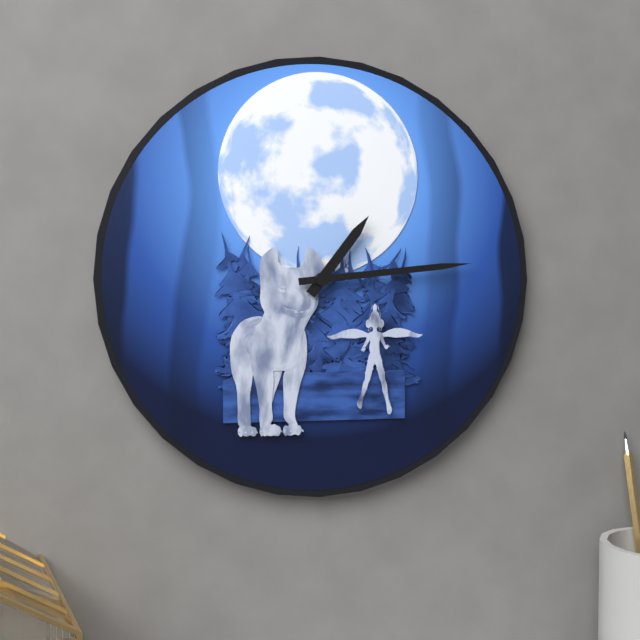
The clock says 1:14
